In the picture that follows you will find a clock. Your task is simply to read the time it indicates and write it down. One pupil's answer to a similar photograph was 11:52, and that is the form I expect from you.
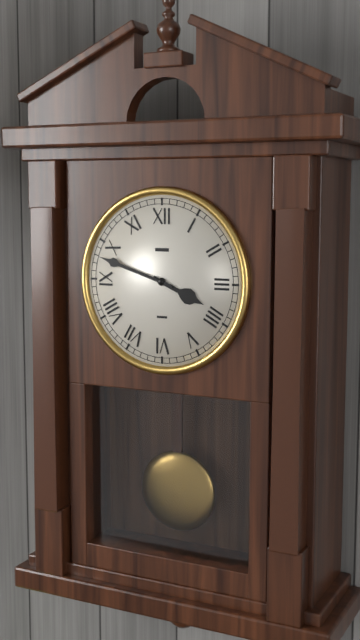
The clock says 3:48
